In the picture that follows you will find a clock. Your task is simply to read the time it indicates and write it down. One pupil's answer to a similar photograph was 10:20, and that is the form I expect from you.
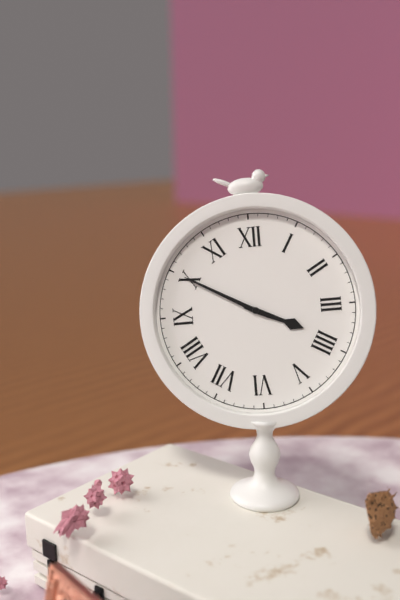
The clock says 3:50
